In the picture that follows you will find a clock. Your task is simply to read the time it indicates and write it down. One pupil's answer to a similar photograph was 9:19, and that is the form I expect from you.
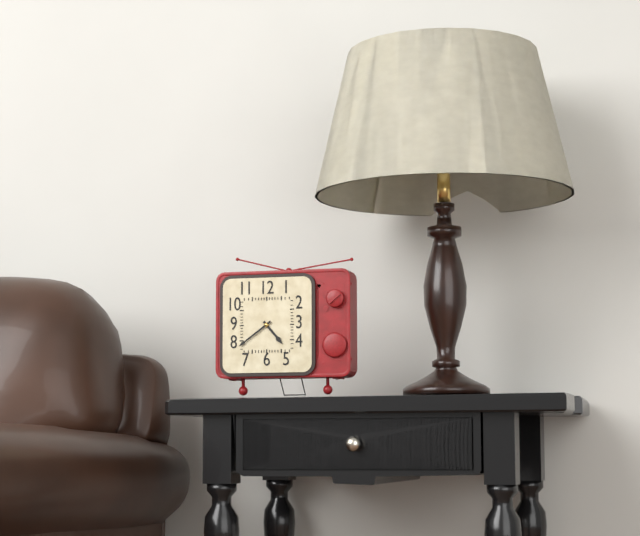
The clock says 4:39
